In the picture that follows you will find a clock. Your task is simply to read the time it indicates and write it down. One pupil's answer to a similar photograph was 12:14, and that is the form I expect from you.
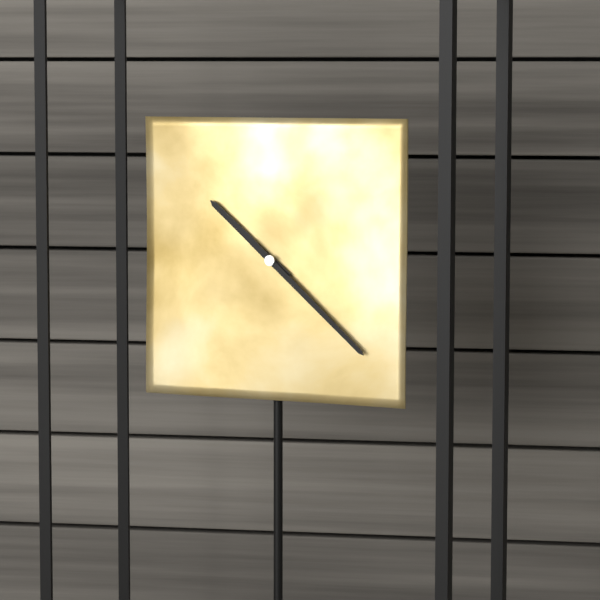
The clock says 10:22
